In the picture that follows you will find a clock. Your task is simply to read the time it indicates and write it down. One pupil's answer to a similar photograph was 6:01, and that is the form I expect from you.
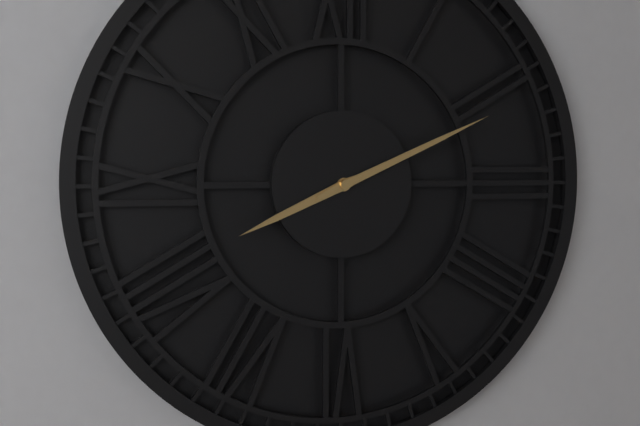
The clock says 8:11
